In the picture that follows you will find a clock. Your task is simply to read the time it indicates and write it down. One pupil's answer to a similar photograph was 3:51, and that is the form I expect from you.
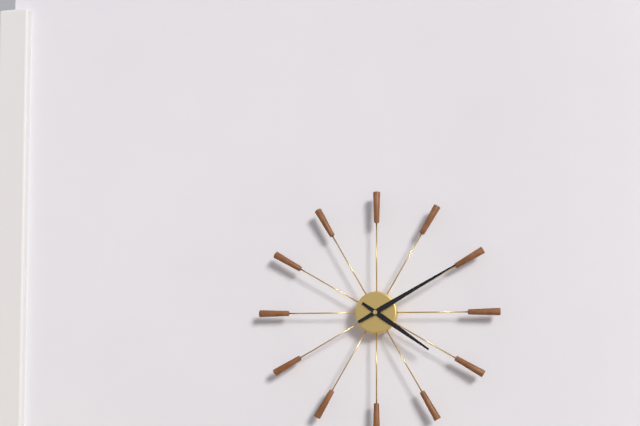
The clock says 4:10
